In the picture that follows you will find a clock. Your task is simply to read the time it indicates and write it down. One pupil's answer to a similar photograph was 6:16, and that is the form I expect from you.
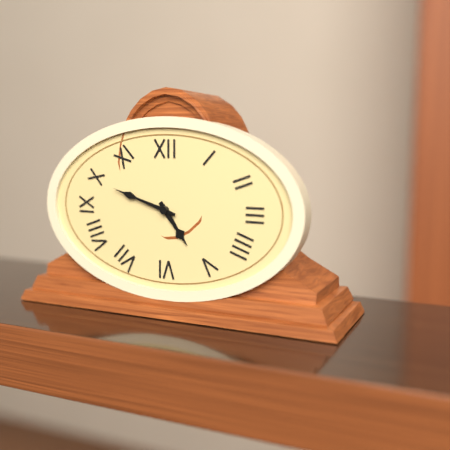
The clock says 4:48
